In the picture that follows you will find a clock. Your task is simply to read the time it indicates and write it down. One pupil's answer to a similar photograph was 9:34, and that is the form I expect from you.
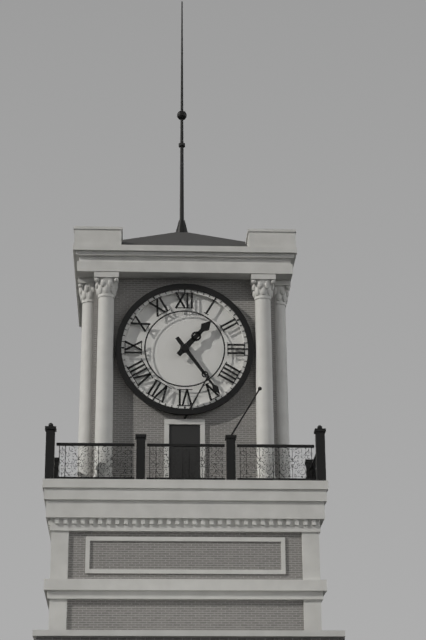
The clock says 1:24
